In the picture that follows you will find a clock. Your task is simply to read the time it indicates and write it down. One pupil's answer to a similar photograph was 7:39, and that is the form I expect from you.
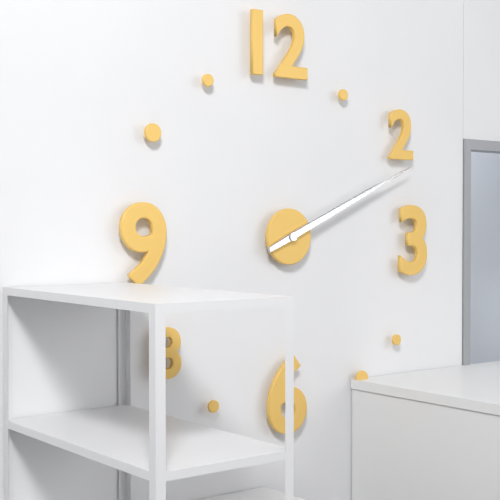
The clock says 2:11
